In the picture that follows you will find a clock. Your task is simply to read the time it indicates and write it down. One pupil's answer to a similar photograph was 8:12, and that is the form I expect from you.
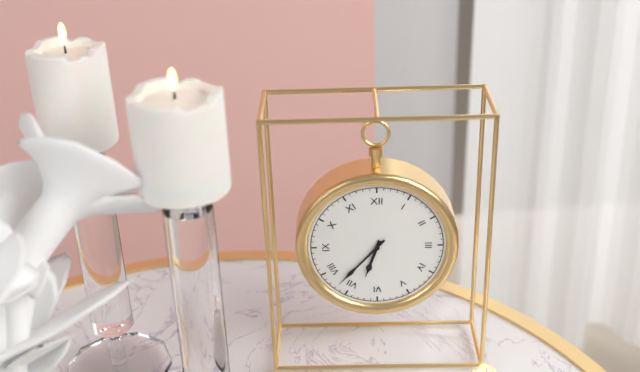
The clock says 6:37
